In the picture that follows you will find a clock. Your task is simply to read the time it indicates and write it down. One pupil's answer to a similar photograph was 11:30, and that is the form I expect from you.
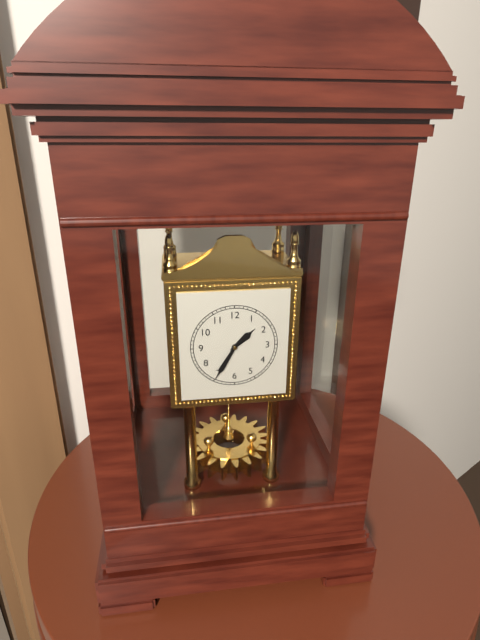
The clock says 1:35
